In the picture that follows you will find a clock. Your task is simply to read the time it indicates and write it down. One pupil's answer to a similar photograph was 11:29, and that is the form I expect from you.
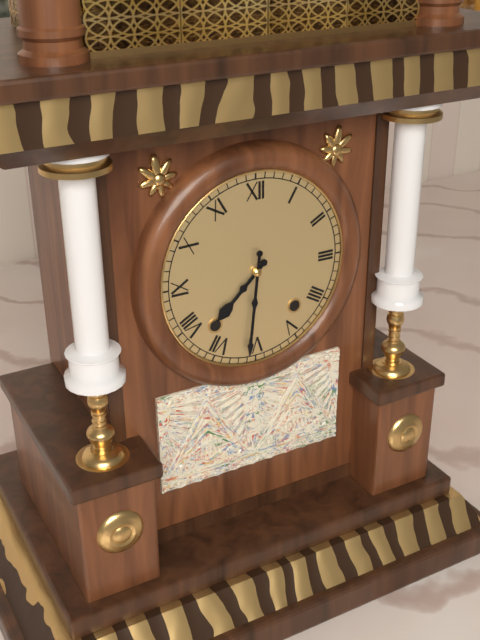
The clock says 7:31
